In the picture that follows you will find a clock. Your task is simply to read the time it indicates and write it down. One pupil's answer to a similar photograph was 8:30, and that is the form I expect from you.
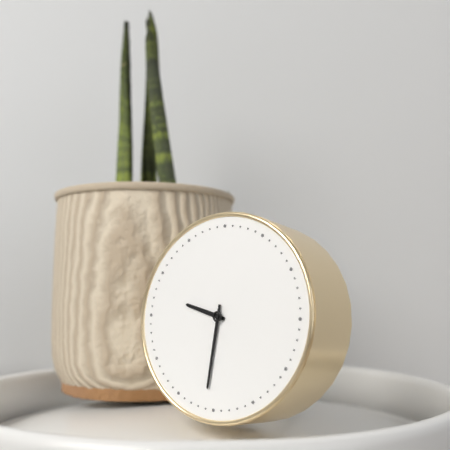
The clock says 9:31
